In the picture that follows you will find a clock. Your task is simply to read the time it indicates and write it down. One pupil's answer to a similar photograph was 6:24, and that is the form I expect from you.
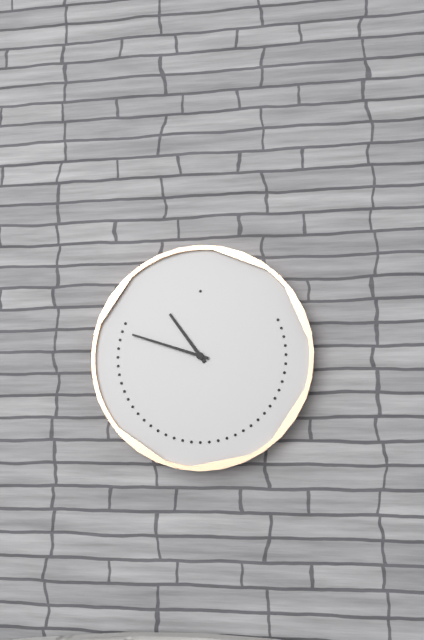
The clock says 10:48
